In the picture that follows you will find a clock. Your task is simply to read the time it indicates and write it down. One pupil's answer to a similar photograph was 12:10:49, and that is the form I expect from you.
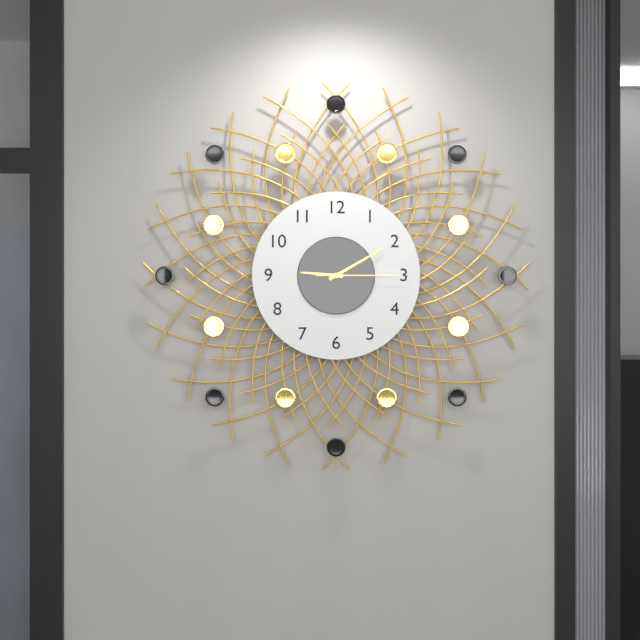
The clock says 9:10:15
